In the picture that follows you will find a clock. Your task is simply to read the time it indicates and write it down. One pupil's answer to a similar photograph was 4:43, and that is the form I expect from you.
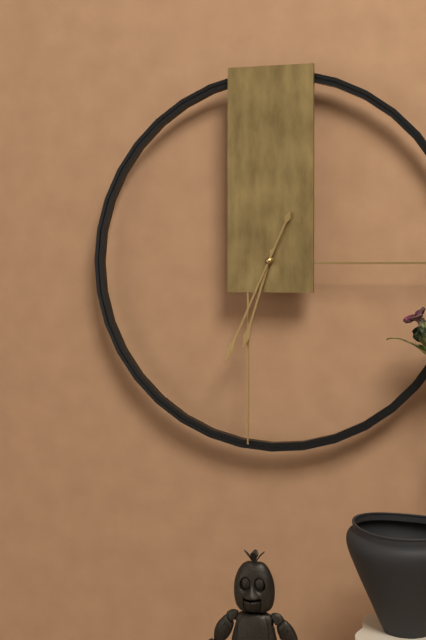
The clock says 6:34
